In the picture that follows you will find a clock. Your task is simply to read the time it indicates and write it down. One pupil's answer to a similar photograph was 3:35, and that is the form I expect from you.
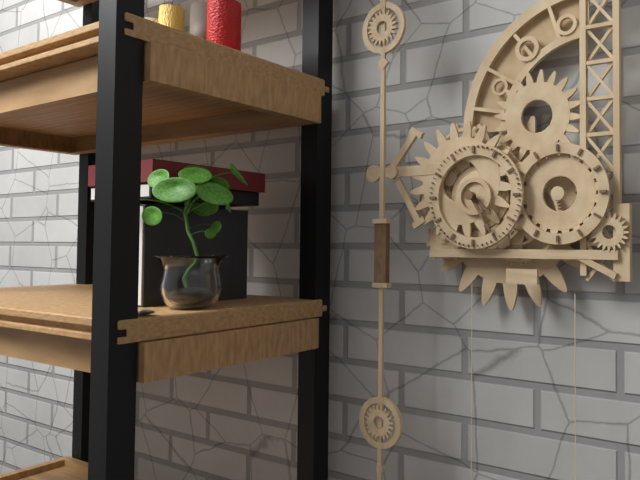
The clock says 4:25
